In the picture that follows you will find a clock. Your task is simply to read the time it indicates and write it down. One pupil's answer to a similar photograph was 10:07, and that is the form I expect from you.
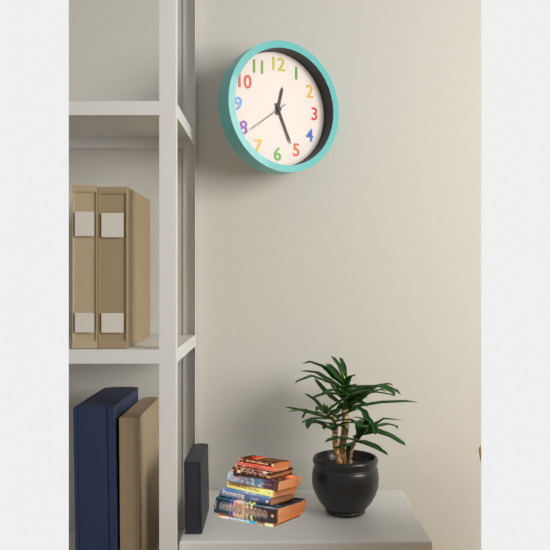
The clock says 12:26
